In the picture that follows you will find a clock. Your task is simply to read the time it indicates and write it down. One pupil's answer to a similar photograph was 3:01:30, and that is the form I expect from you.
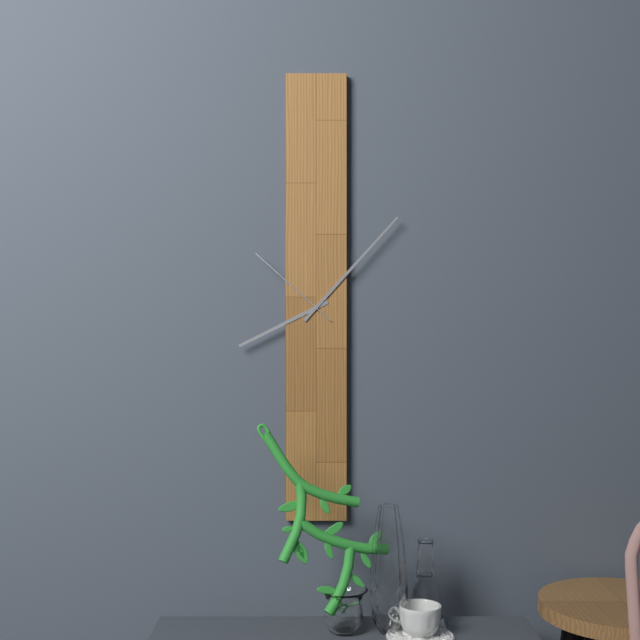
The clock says 8:07:52
